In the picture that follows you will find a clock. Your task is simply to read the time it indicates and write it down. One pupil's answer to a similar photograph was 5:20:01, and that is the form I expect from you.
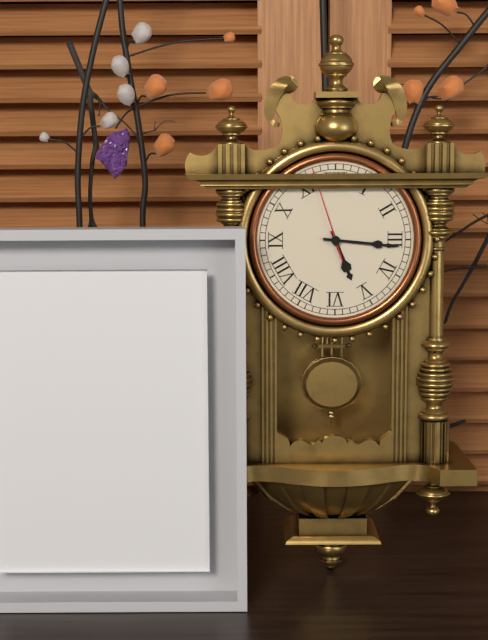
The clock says 5:16:57
